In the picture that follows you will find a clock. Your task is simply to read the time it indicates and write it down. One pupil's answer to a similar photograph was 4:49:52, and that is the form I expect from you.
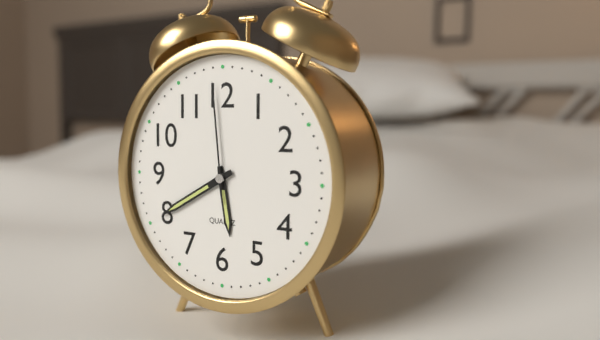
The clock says 5:40:59
